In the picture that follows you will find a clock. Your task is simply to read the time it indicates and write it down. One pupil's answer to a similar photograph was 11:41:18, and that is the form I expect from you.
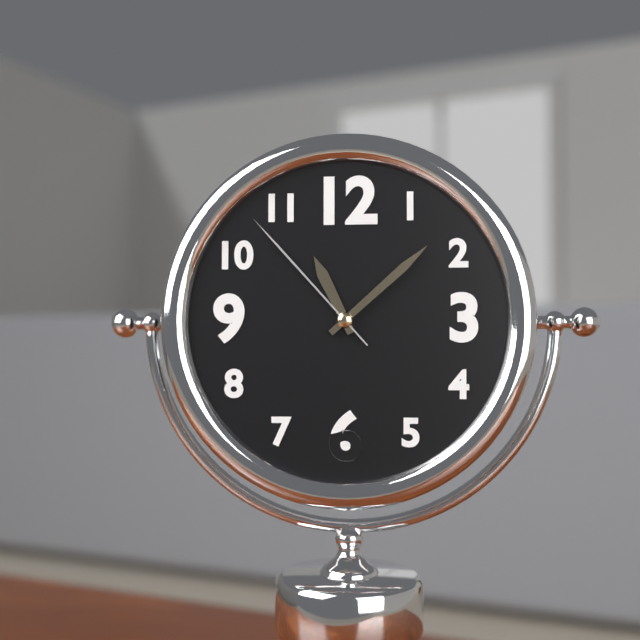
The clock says 11:08:53
